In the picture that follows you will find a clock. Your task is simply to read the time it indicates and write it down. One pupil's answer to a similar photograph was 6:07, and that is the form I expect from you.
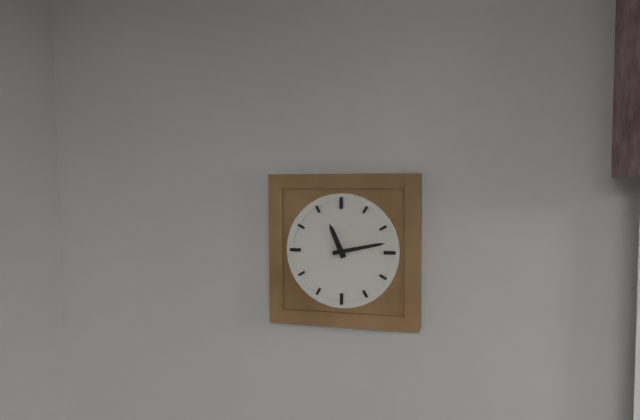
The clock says 11:13
